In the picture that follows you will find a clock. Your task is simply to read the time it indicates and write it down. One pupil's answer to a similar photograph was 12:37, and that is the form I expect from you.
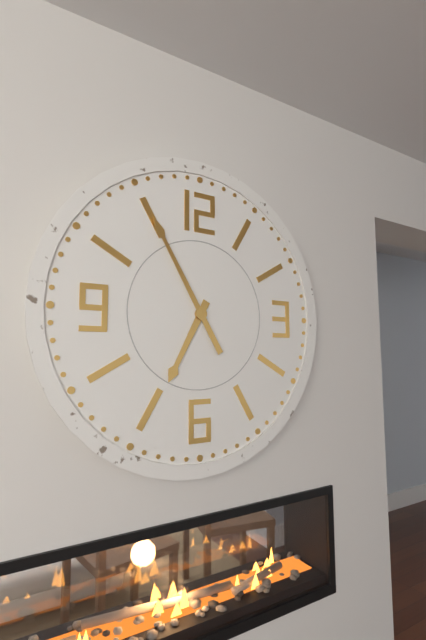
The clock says 6:55
